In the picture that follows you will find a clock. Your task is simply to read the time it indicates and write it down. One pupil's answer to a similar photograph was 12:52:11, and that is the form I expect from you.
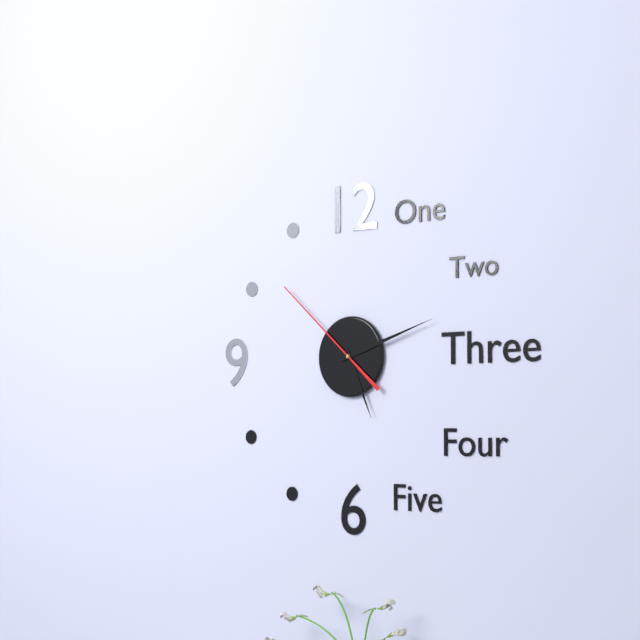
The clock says 5:12:52
